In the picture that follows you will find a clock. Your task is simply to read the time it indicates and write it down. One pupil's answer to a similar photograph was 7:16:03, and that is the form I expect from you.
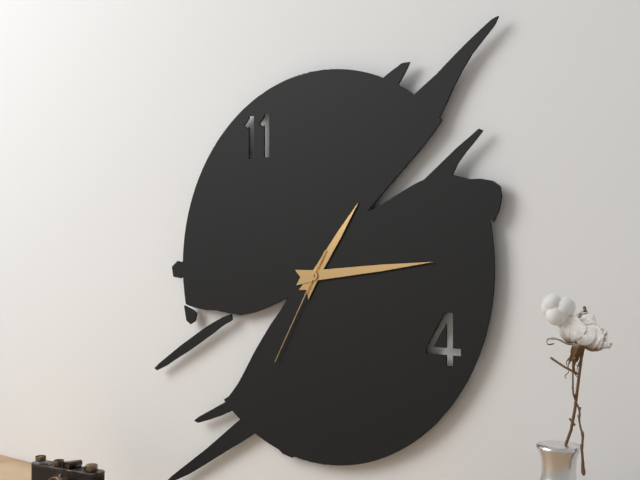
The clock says 1:14:35
